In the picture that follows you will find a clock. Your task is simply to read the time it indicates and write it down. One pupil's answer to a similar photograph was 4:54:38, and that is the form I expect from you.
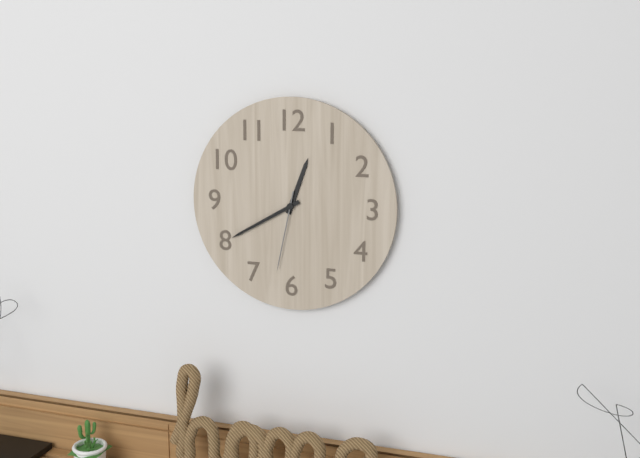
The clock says 12:40:32
